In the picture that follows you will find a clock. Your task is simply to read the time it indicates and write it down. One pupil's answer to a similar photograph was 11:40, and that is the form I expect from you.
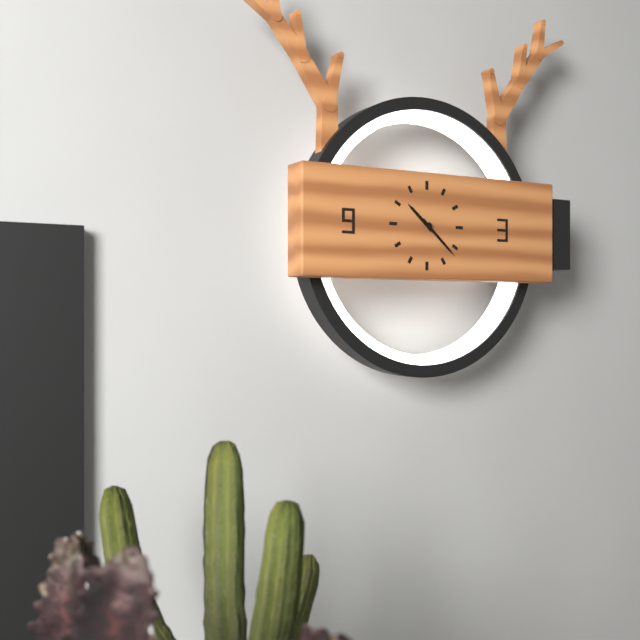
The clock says 10:22
